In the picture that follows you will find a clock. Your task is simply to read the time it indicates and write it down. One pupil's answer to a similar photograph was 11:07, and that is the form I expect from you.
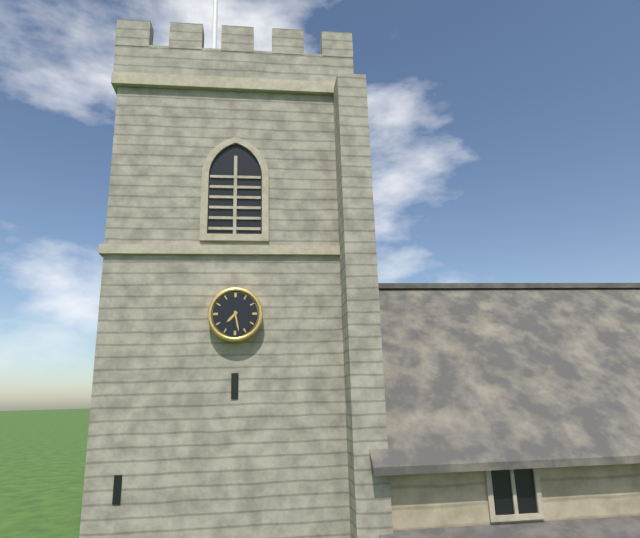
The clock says 7:28
